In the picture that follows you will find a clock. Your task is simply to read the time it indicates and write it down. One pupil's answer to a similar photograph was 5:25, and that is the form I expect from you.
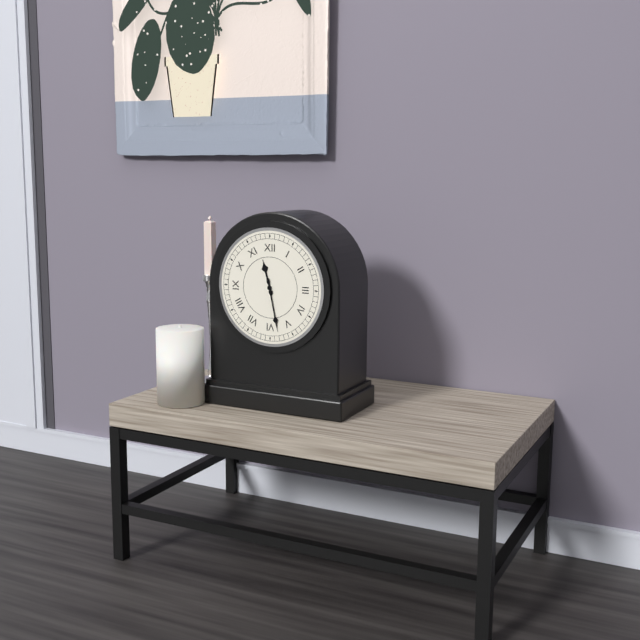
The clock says 11:28
